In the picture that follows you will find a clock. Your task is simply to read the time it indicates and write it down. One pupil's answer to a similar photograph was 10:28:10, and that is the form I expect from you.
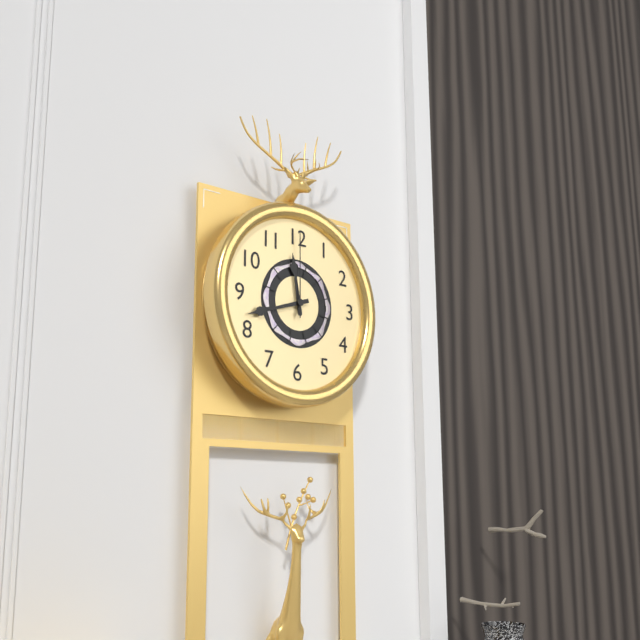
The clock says 11:42:00
